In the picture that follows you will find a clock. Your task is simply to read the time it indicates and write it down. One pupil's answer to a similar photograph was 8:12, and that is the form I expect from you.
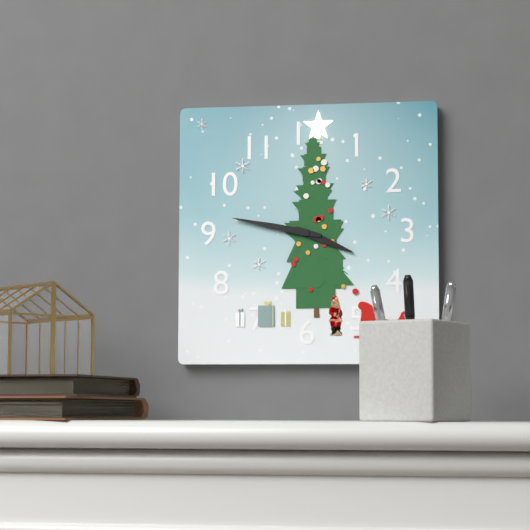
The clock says 3:47
